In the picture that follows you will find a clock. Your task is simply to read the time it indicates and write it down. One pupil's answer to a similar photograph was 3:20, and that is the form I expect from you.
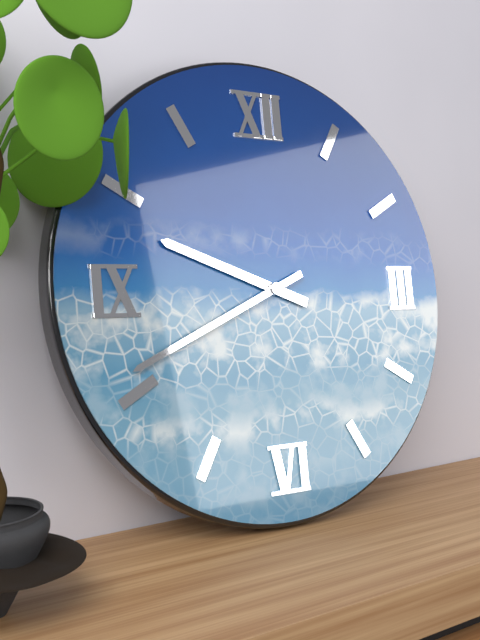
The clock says 9:41
